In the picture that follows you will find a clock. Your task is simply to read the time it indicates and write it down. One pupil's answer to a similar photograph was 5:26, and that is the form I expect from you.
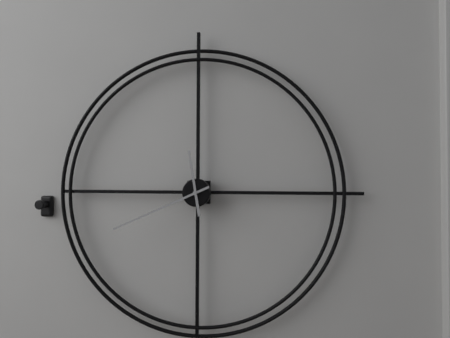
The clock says 11:41
